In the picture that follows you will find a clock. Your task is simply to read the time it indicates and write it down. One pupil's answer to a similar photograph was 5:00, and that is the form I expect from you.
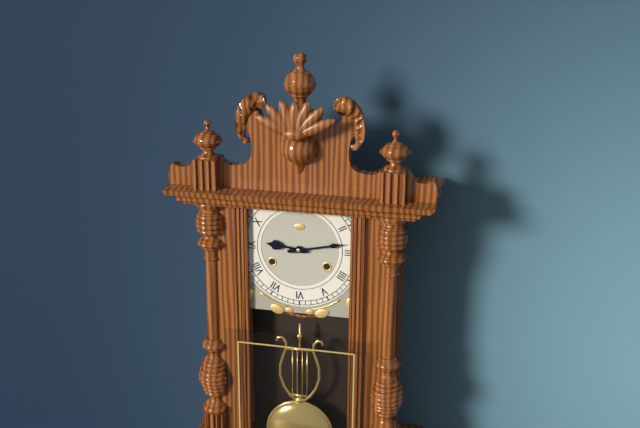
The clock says 9:13
